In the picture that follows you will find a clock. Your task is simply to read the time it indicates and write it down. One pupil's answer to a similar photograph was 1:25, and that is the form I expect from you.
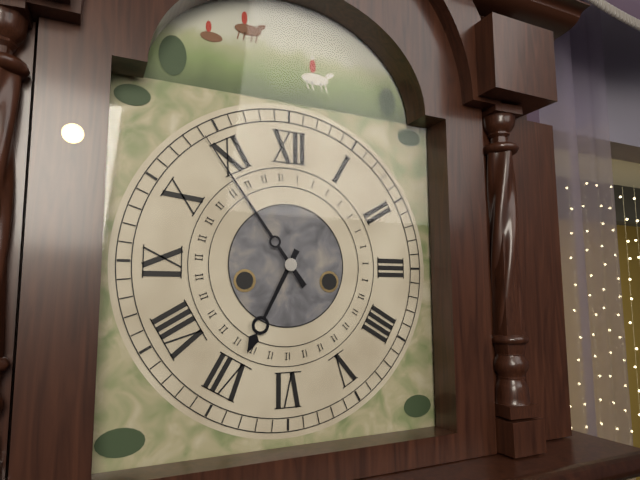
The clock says 6:54
